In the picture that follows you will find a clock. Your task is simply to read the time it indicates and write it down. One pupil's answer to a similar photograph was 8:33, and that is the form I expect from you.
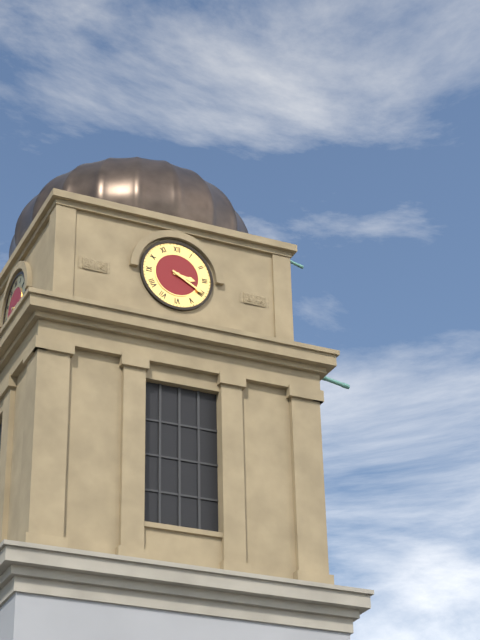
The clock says 3:20
